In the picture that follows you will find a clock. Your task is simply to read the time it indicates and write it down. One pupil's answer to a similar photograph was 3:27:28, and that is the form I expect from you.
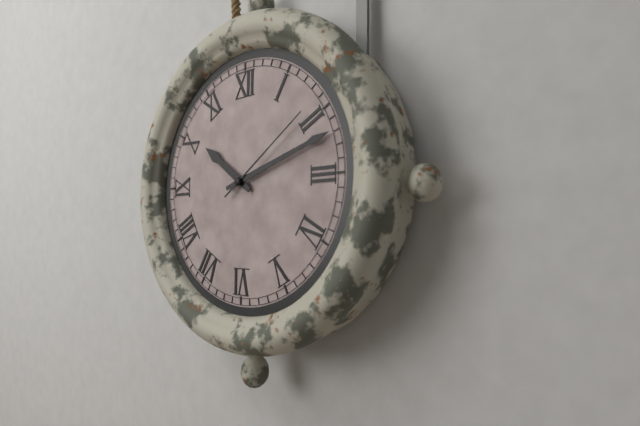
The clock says 10:12:09
